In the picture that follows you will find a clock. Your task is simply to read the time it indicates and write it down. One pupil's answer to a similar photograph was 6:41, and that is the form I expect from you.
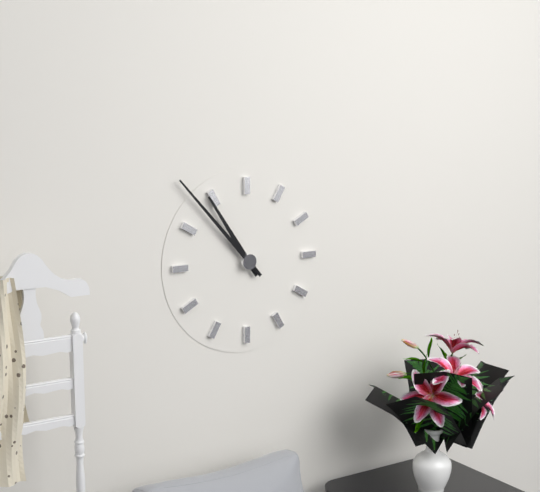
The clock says 10:53
